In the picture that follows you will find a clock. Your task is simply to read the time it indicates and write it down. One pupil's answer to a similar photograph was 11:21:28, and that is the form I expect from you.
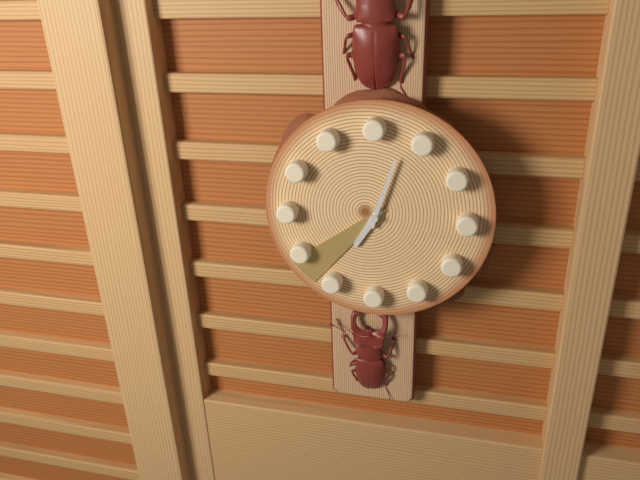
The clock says 7:03:38
